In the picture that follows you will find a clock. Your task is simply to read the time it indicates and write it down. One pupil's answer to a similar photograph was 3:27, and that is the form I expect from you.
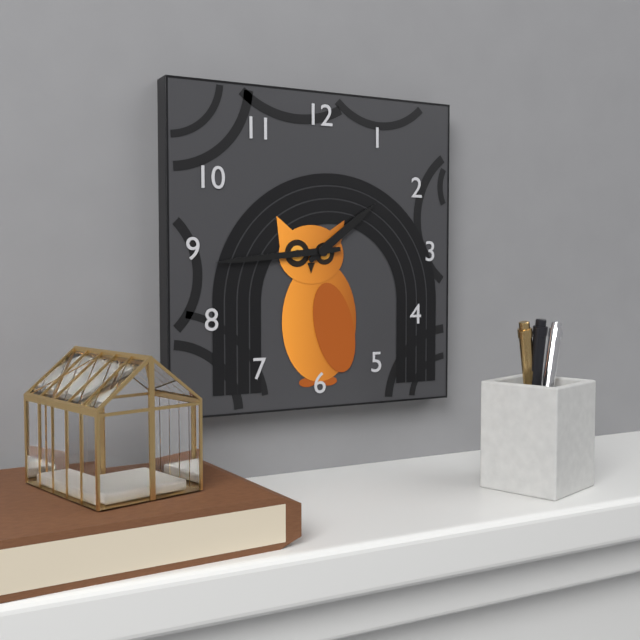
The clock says 1:44
